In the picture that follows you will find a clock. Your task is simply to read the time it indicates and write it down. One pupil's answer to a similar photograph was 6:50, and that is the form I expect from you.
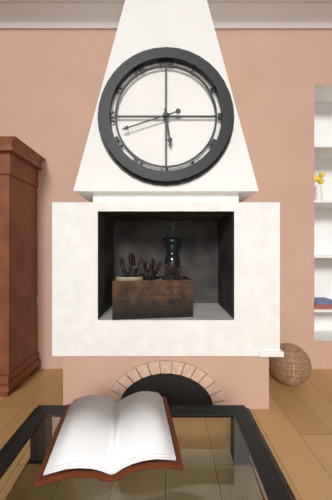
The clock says 5:42
